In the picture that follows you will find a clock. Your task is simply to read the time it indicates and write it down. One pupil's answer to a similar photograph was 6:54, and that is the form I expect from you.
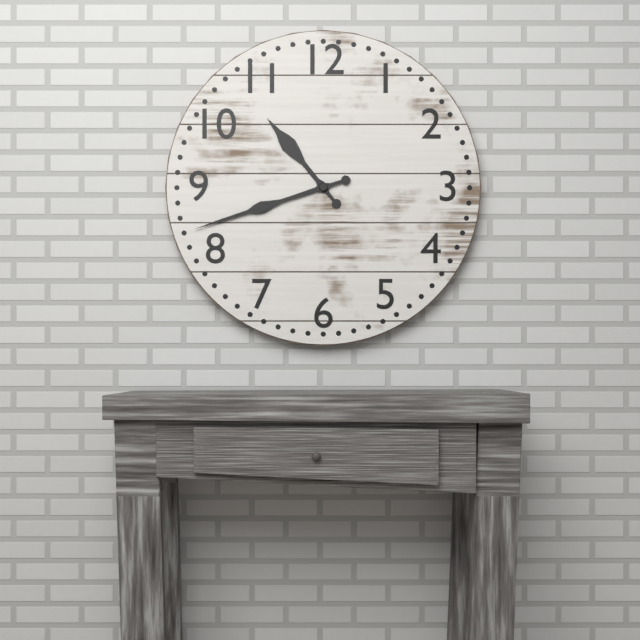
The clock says 10:42
